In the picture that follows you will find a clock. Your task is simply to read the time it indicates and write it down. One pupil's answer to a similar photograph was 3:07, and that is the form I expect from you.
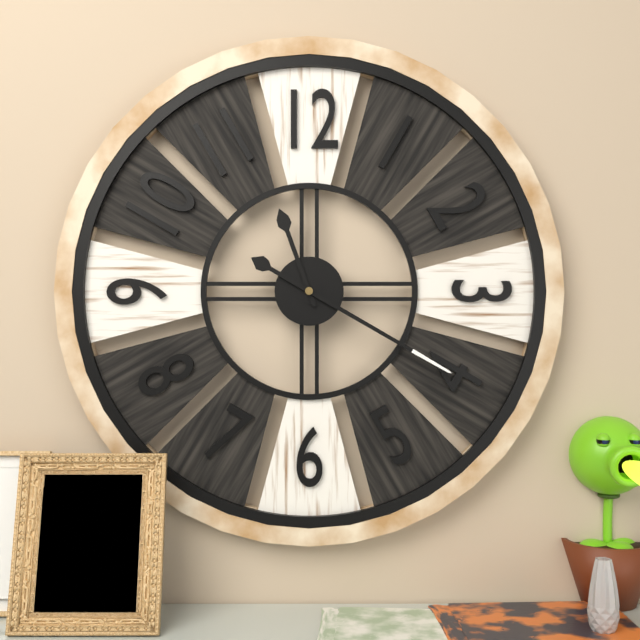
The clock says 11:20
